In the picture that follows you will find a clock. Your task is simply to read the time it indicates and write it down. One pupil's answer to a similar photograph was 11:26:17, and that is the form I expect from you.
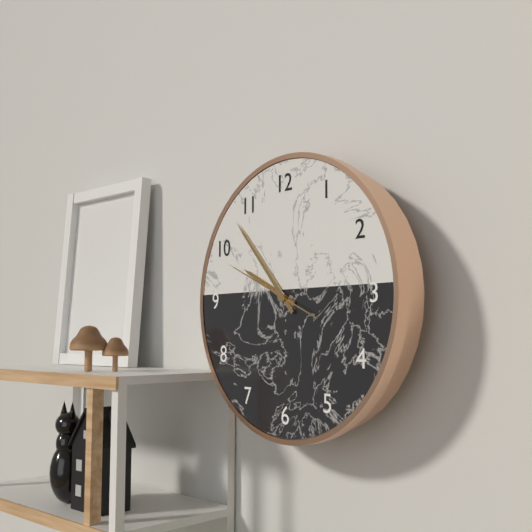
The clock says 9:53:49
